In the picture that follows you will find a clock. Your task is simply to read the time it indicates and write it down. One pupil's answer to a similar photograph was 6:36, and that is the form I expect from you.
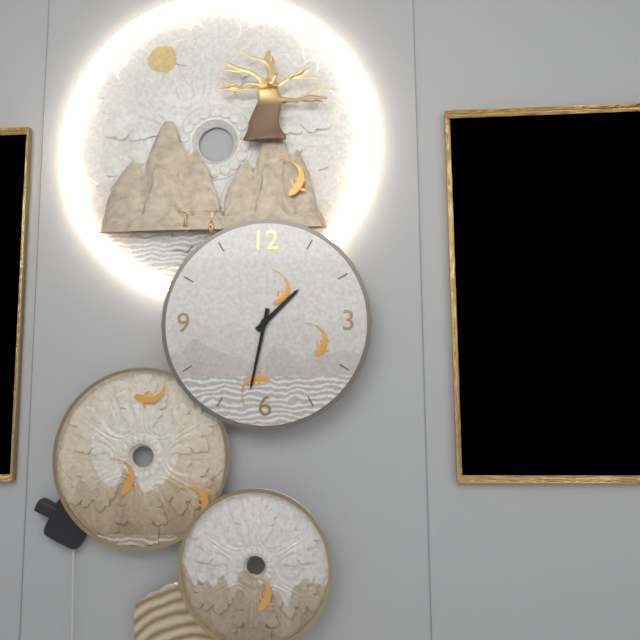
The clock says 1:32
